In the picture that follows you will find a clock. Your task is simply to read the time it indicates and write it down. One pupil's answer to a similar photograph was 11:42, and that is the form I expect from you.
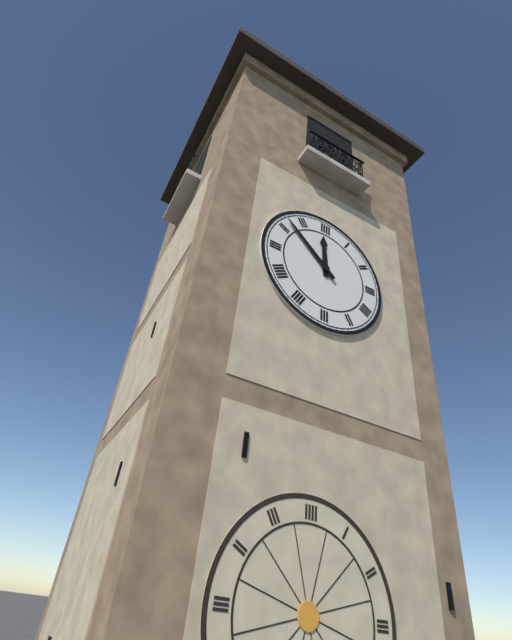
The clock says 11:52
